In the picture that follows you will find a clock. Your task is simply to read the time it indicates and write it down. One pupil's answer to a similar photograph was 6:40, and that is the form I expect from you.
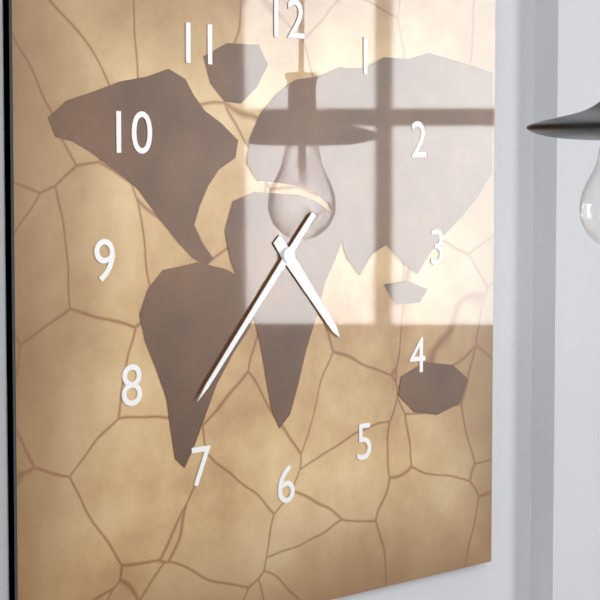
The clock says 4:37
